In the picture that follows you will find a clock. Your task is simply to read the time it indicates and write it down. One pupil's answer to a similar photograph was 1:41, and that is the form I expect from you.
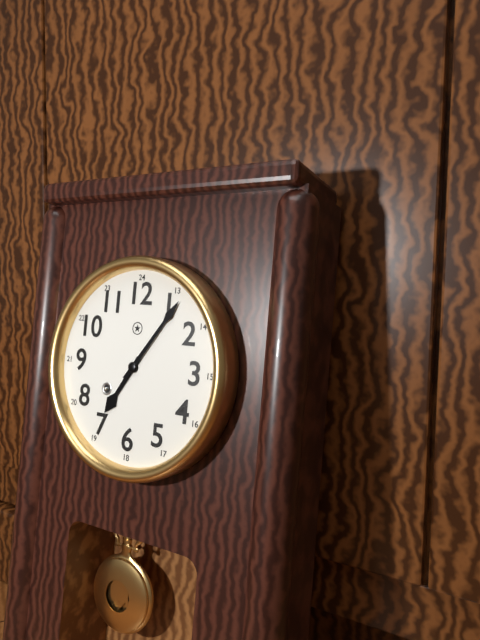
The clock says 7:06
